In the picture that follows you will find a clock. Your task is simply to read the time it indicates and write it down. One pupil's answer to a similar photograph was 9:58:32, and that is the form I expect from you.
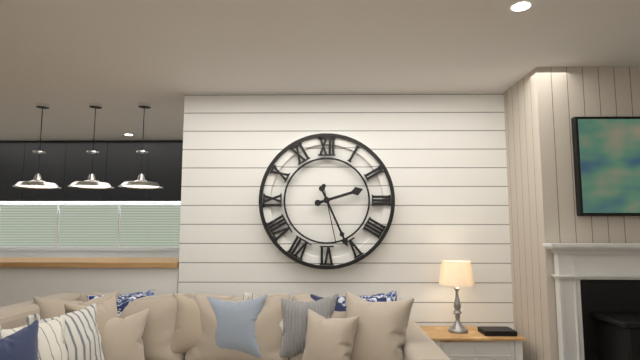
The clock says 2:26:28
